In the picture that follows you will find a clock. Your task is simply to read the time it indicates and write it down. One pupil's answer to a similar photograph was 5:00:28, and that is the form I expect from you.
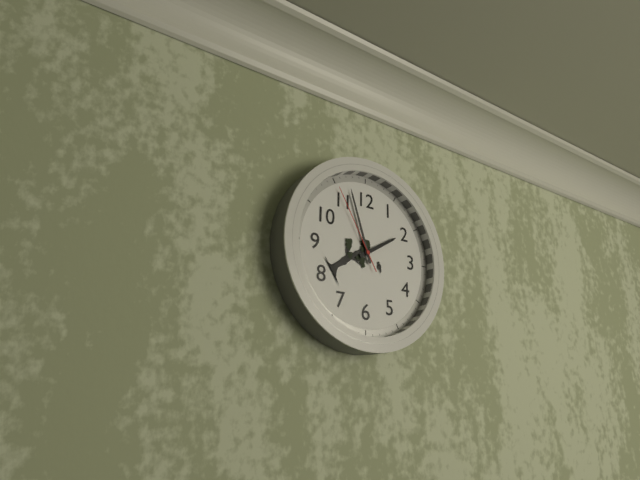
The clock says 1:57:55
